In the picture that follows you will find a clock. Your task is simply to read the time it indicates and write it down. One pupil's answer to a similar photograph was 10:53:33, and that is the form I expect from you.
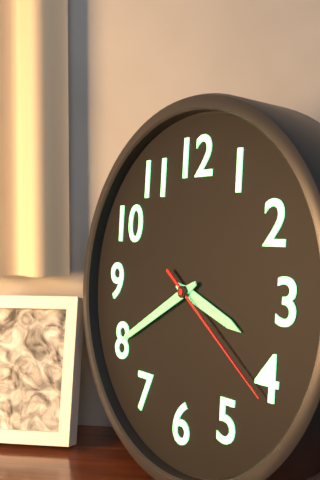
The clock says 3:40:21
